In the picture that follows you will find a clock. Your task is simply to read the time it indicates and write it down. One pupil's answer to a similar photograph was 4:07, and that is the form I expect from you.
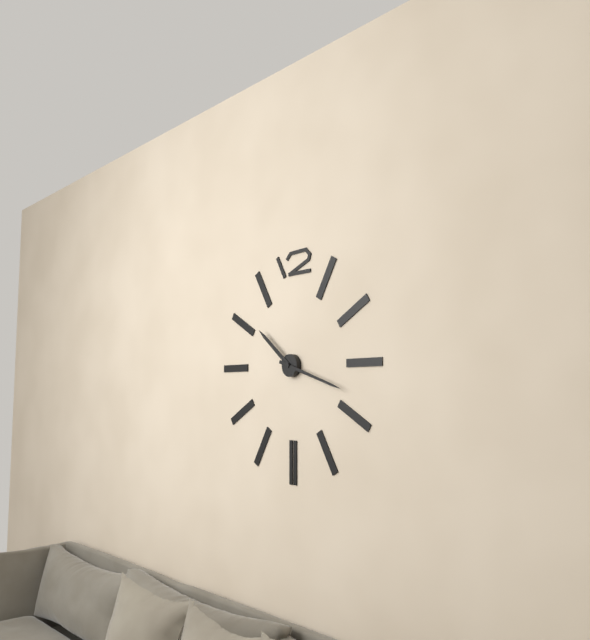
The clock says 10:18
